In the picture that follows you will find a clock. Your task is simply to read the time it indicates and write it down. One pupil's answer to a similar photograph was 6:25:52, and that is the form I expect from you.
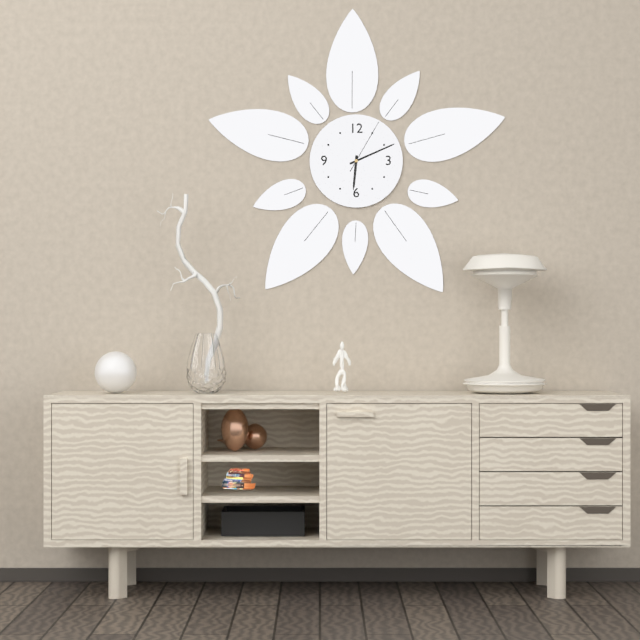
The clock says 6:11:05
